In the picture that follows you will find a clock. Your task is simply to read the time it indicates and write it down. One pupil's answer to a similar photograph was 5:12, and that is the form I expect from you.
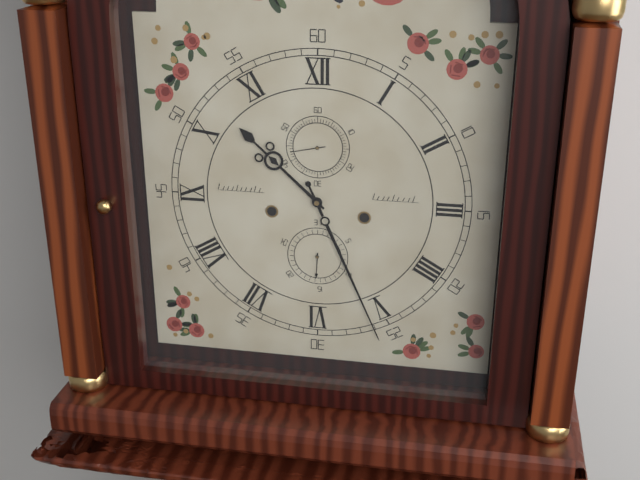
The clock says 10:26
